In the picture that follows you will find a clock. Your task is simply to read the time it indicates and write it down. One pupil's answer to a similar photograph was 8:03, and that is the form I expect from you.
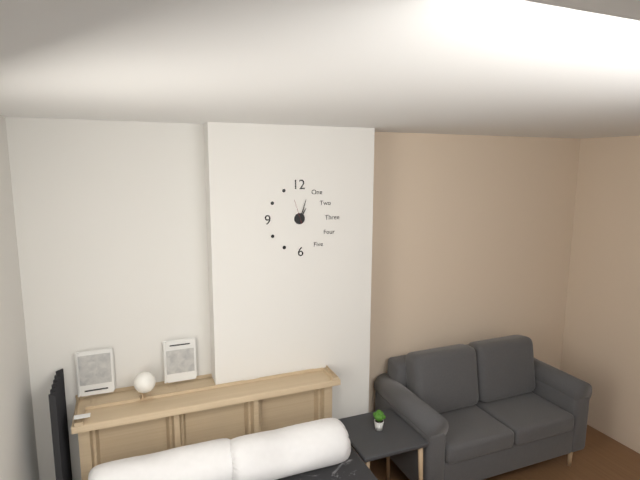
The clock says 1:03
